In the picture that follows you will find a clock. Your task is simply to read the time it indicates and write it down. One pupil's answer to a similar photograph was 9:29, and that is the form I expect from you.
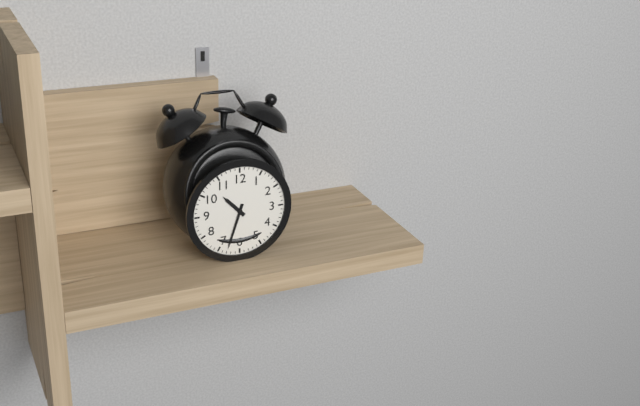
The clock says 10:33
